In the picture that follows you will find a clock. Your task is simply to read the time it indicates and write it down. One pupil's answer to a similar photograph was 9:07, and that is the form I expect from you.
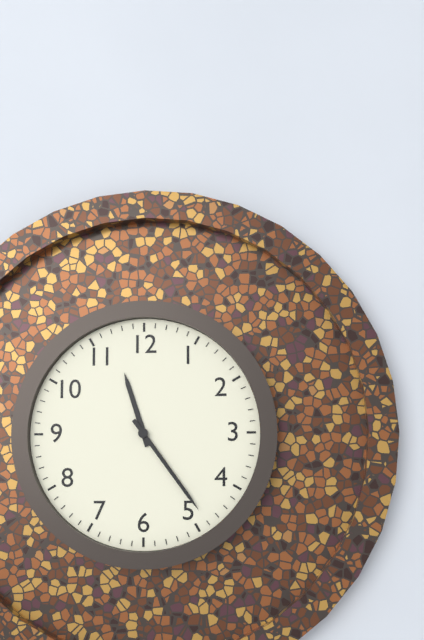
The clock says 11:24
